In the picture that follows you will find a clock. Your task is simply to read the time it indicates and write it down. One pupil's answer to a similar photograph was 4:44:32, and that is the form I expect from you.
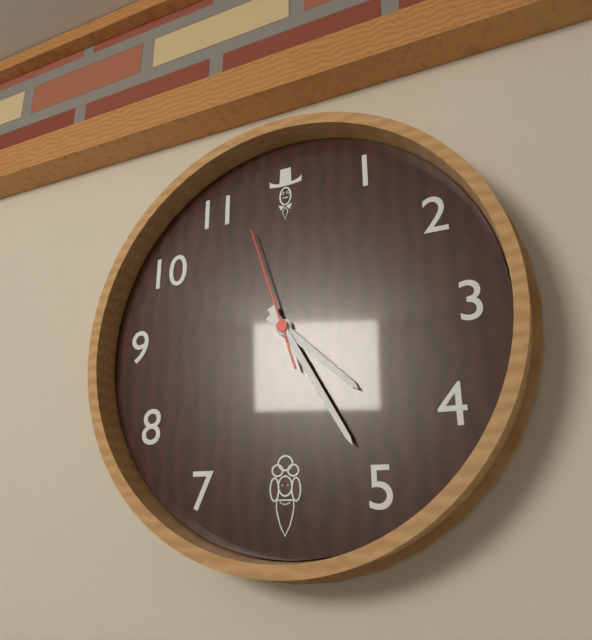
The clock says 4:25:57
